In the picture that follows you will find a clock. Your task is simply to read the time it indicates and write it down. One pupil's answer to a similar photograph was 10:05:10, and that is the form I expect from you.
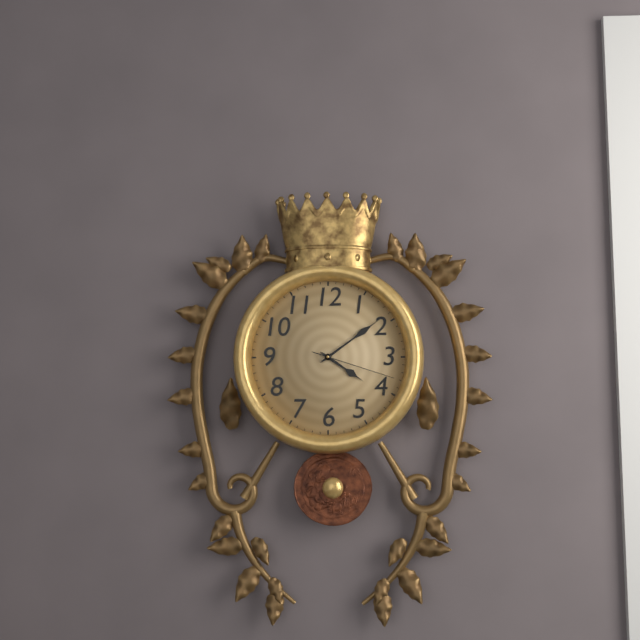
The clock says 4:09:18
